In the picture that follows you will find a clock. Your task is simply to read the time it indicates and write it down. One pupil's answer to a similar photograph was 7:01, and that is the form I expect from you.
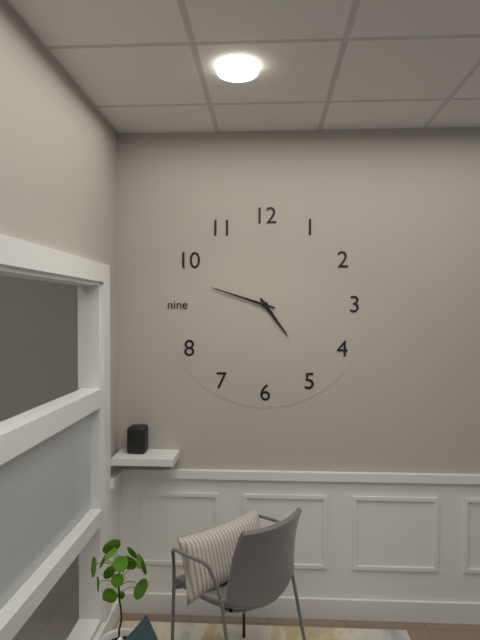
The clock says 4:48
